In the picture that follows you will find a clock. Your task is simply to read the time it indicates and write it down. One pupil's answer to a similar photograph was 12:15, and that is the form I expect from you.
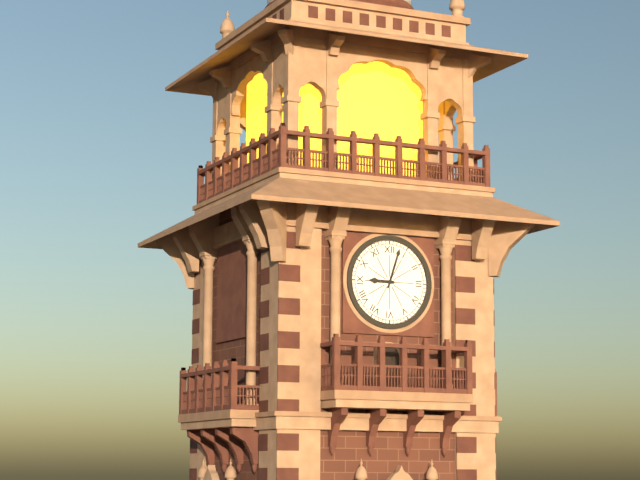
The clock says 9:03
